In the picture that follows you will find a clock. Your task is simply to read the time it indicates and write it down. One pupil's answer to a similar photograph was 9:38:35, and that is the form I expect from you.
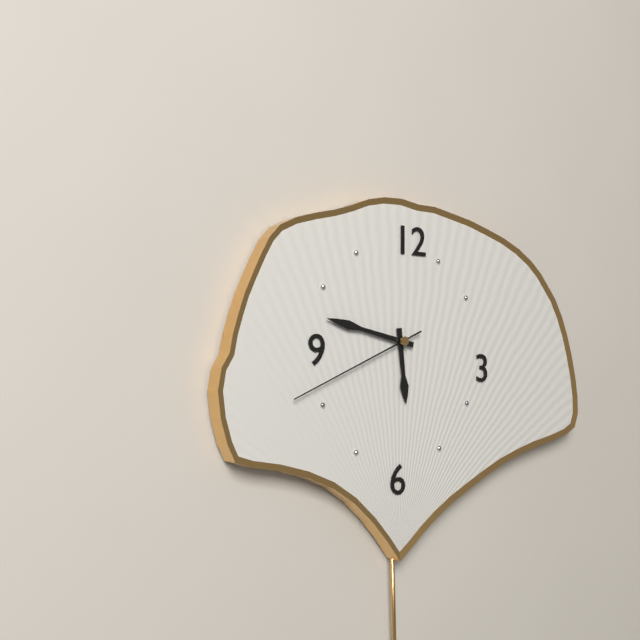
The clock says 5:47:41
